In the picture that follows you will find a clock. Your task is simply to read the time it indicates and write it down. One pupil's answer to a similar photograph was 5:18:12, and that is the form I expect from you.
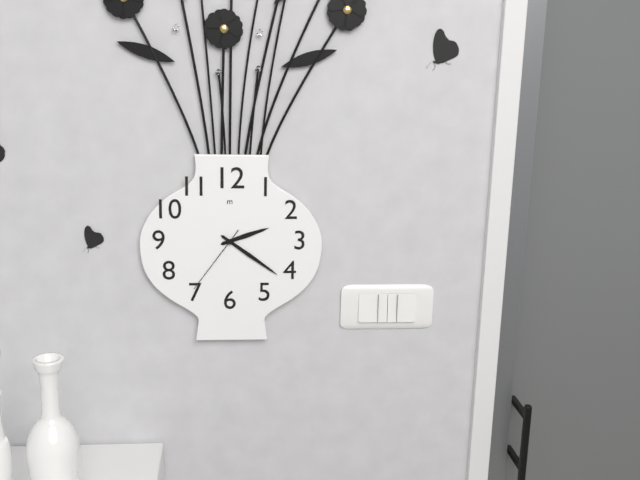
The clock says 2:21:36
